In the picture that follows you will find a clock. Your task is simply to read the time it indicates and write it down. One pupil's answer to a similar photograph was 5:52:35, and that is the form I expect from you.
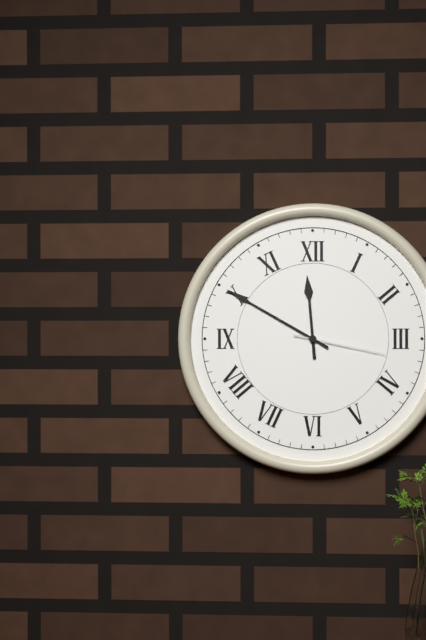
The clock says 11:50:17
